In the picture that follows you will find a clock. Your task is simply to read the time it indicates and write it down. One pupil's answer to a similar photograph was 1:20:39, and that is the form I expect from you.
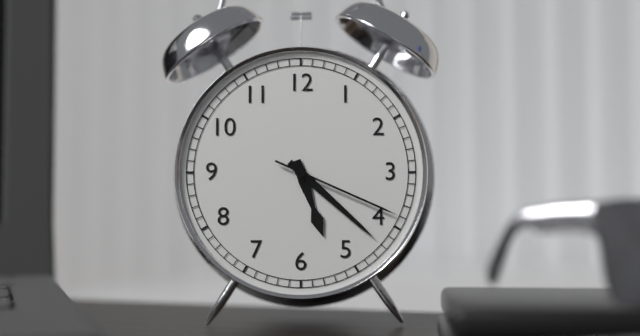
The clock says 5:22:19
